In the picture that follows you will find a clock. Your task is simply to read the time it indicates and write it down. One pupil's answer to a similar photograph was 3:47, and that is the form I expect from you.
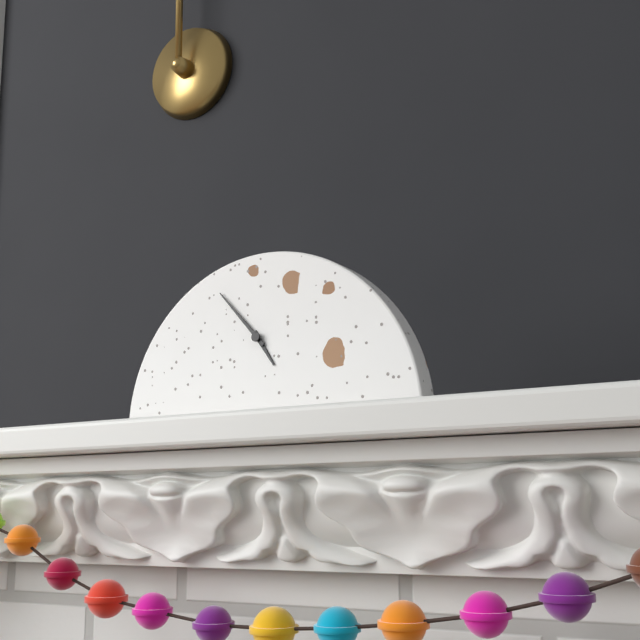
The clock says 4:53
